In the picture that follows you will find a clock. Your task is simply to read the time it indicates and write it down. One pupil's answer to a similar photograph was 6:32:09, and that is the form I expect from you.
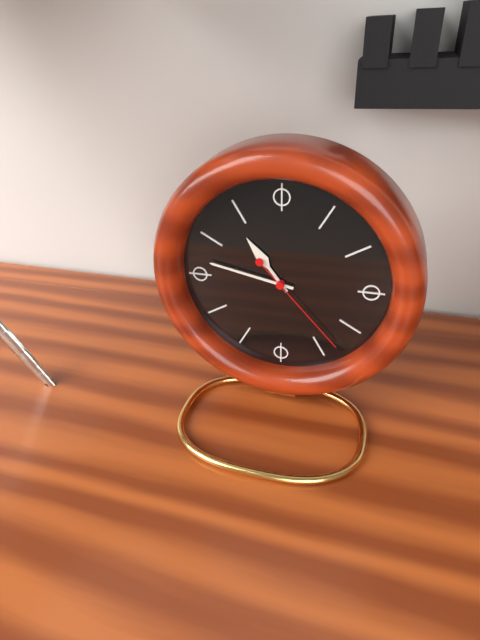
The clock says 10:47:23
